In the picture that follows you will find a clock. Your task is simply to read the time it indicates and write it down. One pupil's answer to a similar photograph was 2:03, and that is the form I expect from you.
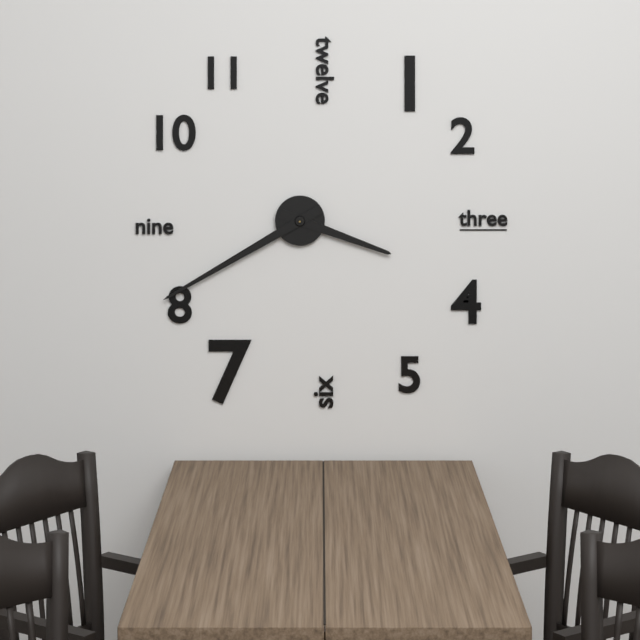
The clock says 3:40
